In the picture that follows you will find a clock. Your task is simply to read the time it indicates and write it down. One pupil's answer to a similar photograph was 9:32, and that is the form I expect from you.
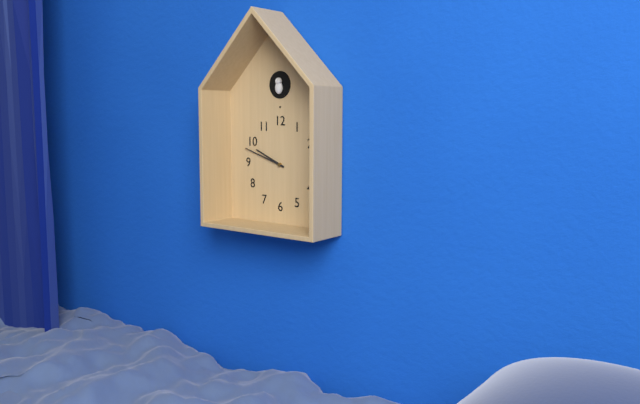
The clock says 9:48
